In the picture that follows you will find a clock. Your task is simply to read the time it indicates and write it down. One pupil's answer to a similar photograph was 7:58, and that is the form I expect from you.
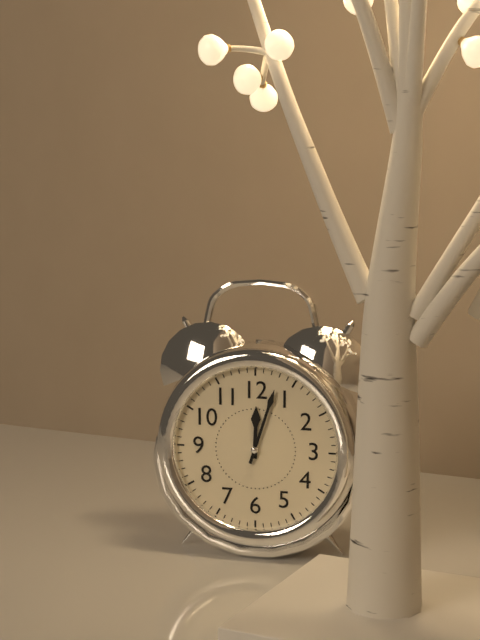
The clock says 12:03
